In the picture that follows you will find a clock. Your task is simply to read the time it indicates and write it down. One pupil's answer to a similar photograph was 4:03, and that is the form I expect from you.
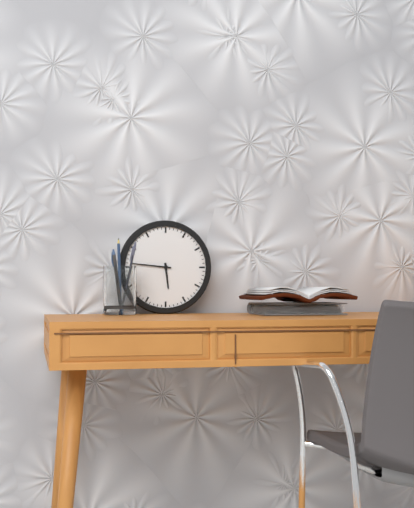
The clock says 5:46
